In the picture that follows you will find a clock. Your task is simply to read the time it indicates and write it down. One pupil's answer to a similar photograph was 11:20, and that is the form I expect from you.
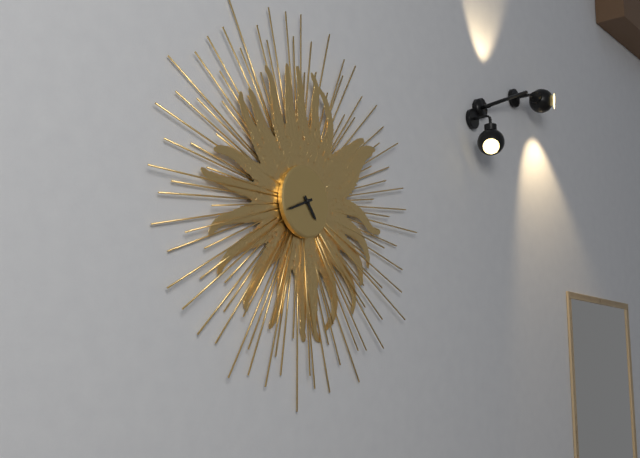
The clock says 4:41
